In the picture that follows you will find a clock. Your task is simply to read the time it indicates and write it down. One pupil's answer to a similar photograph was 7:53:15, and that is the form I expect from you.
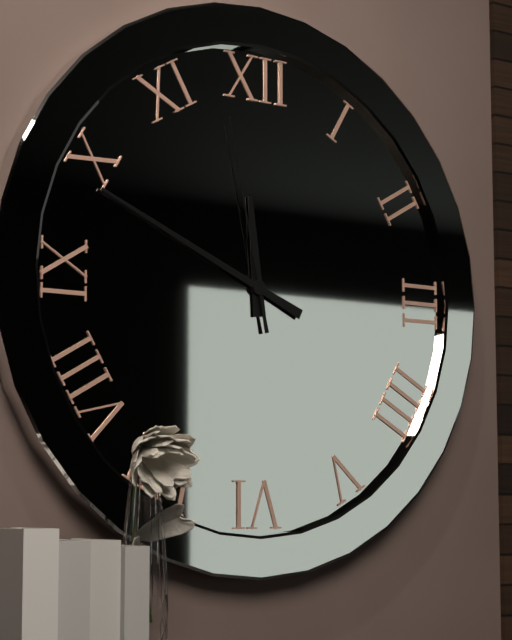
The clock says 11:49:58
